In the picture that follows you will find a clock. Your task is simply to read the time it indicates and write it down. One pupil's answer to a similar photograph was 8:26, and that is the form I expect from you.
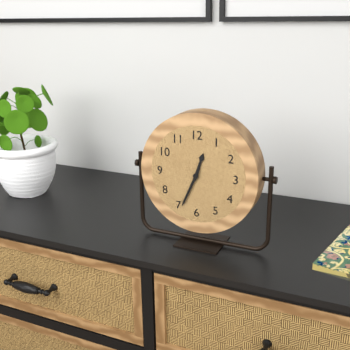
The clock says 12:34
